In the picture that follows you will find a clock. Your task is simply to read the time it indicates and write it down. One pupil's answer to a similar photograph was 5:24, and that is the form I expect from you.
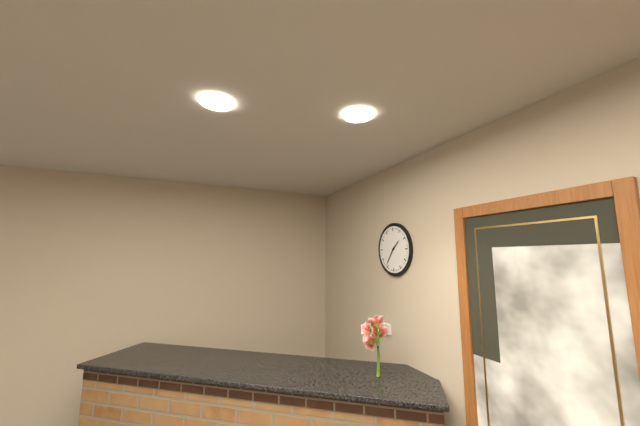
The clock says 1:36
